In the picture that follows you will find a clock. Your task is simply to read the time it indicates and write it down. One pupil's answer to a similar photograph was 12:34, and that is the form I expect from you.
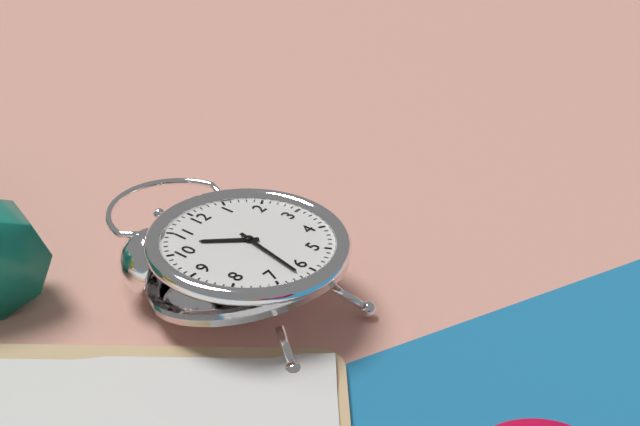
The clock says 10:32
